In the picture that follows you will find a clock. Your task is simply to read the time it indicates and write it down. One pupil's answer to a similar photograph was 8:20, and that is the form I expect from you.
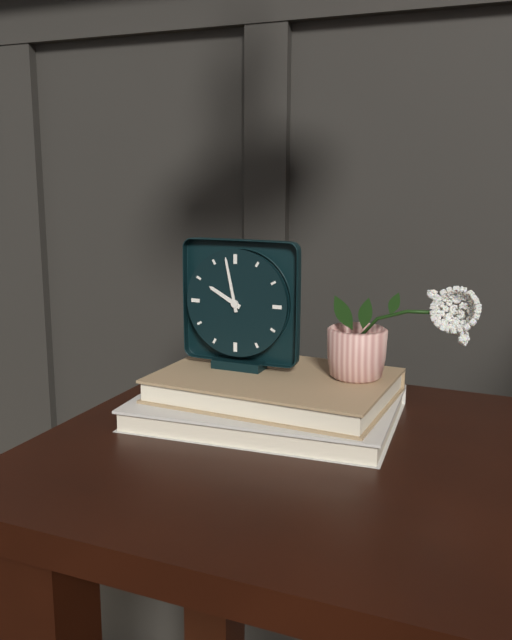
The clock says 9:58
